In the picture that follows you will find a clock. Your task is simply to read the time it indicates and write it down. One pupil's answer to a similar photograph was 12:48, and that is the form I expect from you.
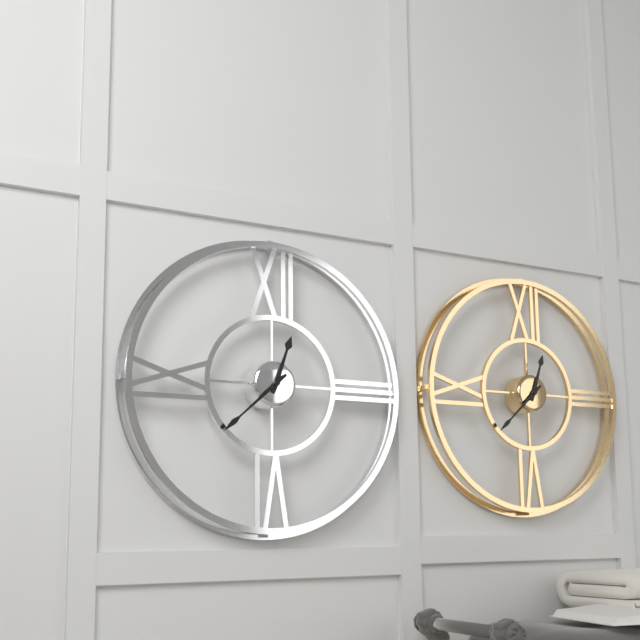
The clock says 12:38
